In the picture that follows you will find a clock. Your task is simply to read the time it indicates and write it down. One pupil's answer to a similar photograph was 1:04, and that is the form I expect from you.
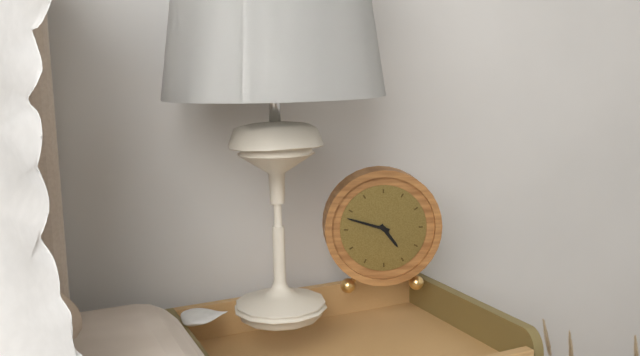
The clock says 4:48
